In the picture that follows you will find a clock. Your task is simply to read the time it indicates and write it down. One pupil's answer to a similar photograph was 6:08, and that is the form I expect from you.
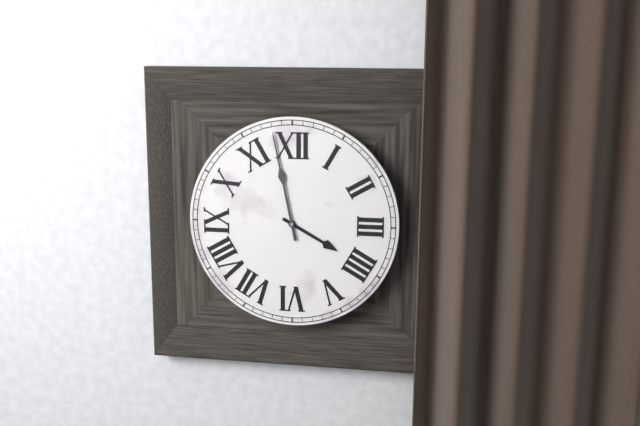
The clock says 3:58
